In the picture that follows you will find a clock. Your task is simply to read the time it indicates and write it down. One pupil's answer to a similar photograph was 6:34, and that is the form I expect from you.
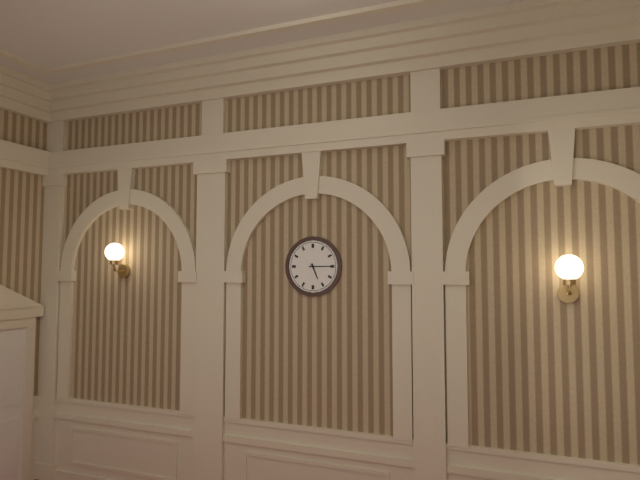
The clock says 5:15
